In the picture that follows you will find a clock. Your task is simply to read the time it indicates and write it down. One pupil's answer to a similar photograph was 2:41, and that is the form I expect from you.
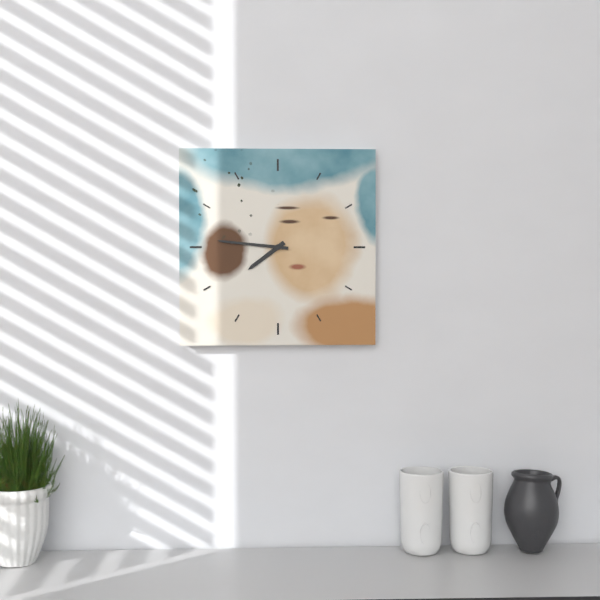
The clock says 7:46
